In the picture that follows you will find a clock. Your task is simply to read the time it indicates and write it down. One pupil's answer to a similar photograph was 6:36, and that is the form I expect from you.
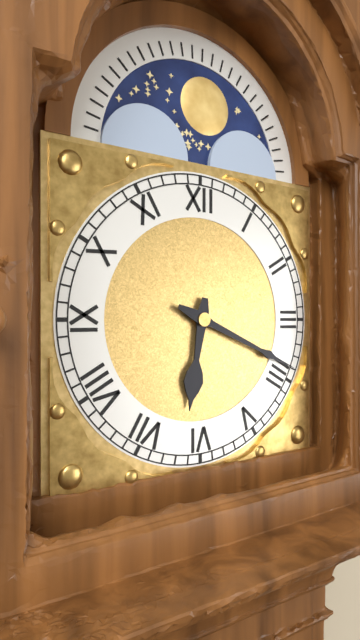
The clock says 6:19
